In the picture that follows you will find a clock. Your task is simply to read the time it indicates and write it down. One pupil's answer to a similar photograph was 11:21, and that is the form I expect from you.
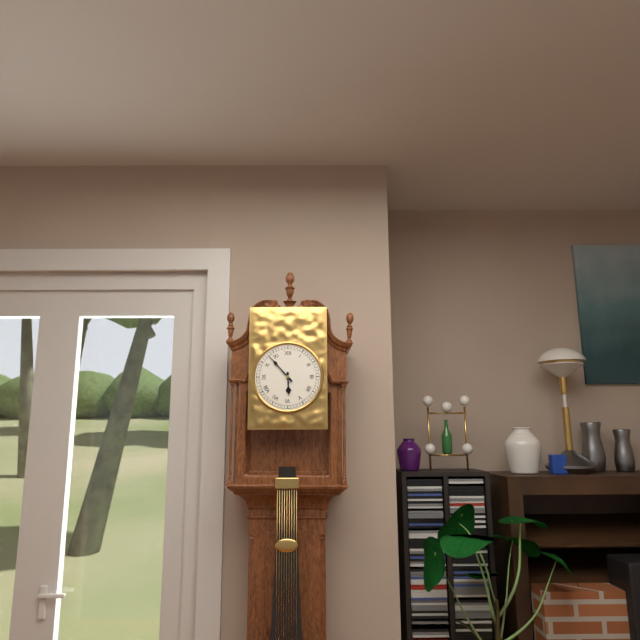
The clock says 5:53
